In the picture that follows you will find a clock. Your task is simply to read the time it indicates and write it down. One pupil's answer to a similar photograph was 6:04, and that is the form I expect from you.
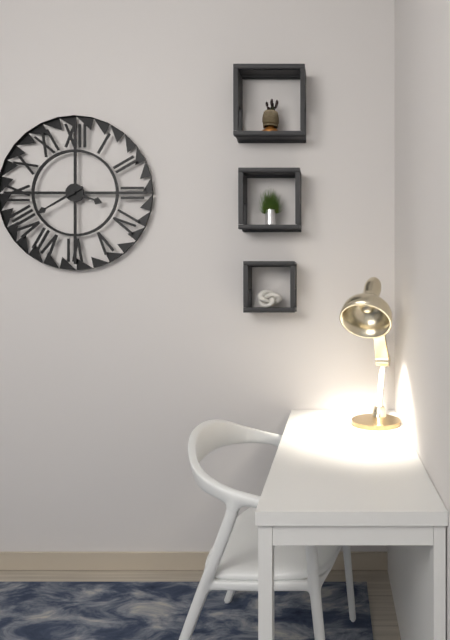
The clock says 3:40
